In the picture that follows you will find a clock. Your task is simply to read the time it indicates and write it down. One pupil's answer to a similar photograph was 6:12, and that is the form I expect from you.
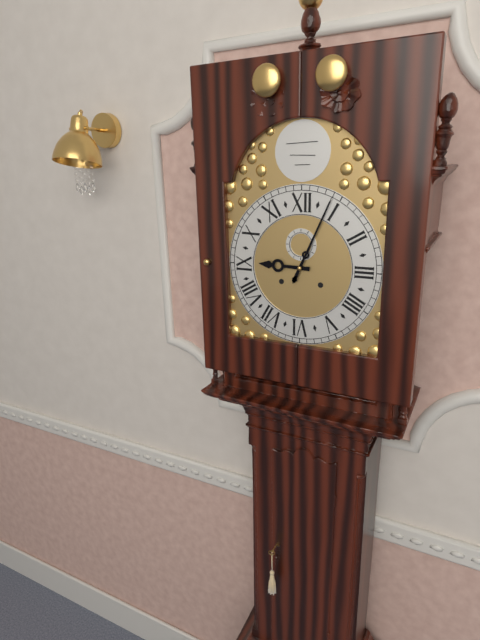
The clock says 9:04
